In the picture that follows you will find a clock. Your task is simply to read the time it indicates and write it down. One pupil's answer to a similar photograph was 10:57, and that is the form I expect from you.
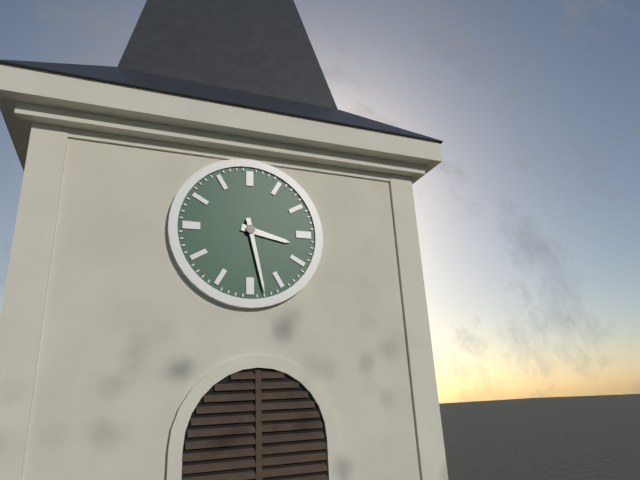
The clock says 3:28
